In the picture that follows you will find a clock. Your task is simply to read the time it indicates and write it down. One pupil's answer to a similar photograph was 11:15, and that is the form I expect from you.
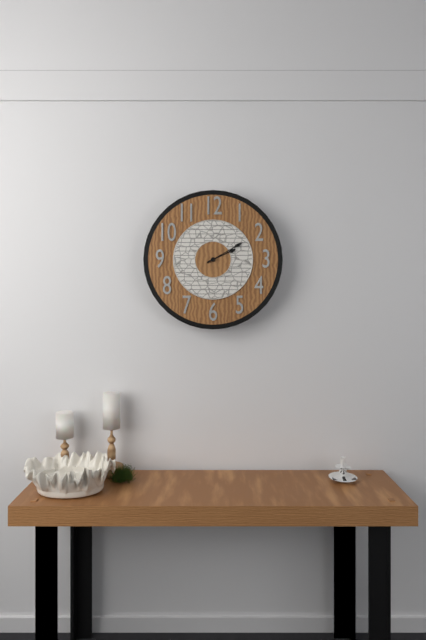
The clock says 2:10
